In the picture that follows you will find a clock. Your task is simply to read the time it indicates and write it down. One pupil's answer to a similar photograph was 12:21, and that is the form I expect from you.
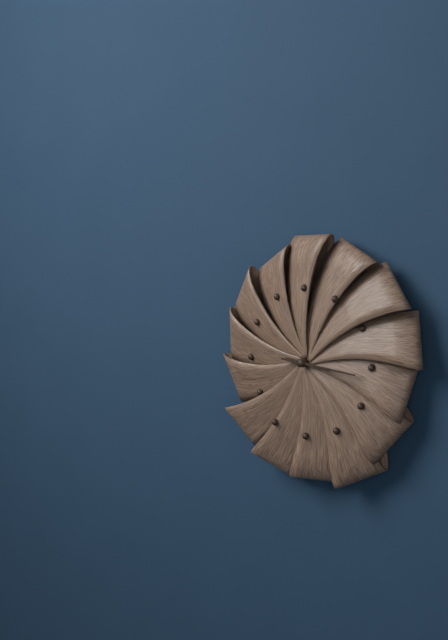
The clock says 3:16
